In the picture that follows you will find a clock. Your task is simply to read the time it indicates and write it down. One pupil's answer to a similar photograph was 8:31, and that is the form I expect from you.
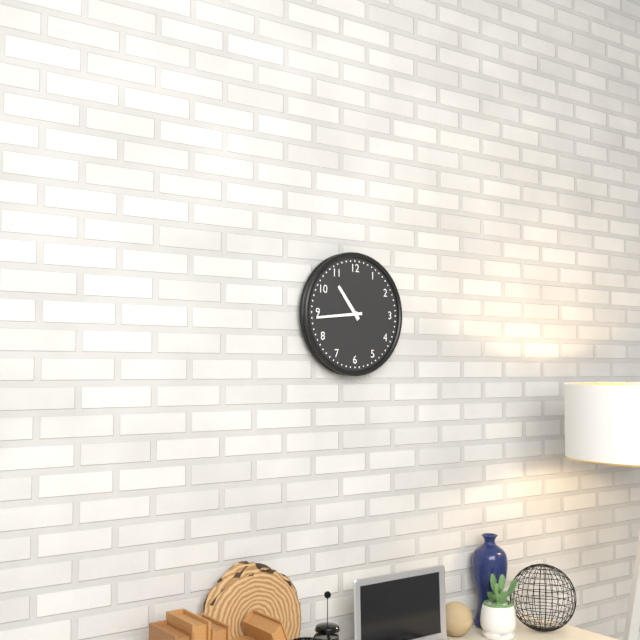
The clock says 10:44
